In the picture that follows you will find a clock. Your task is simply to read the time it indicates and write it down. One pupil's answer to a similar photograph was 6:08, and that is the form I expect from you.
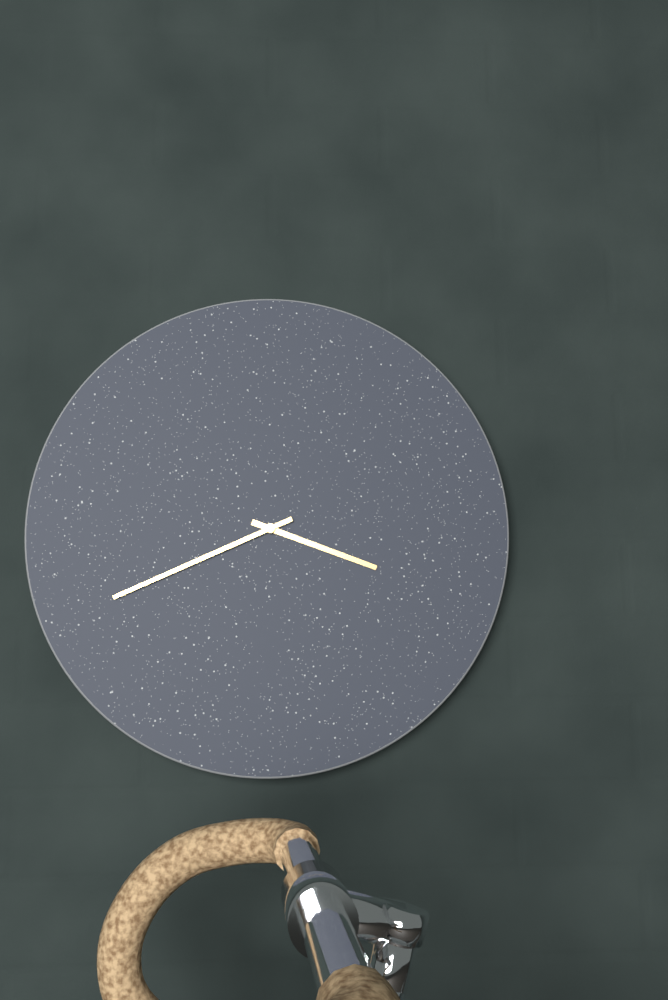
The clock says 3:41
